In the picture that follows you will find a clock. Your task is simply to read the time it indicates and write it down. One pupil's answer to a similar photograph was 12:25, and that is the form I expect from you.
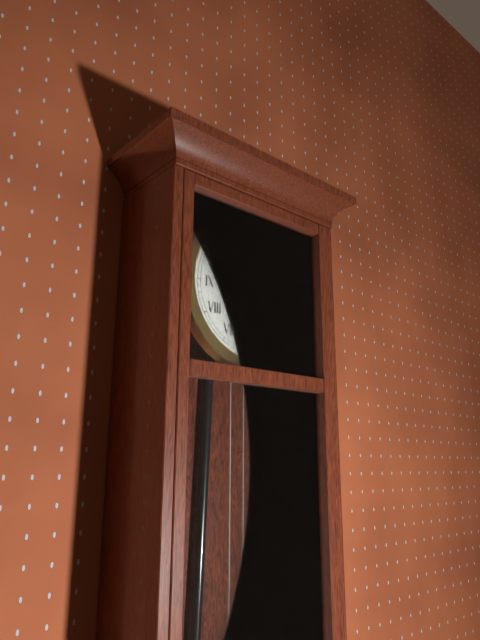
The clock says 6:14
